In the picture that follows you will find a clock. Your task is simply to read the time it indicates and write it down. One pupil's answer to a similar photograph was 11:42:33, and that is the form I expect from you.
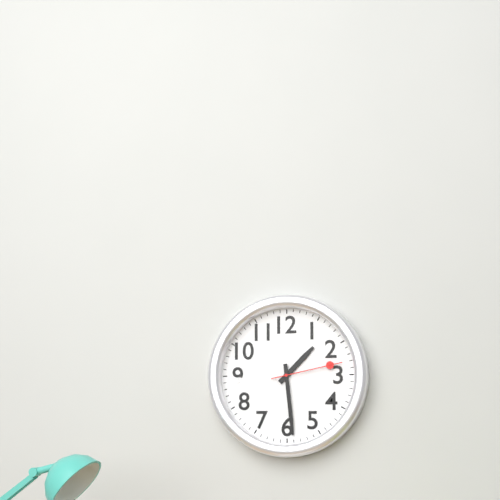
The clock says 1:29:13
